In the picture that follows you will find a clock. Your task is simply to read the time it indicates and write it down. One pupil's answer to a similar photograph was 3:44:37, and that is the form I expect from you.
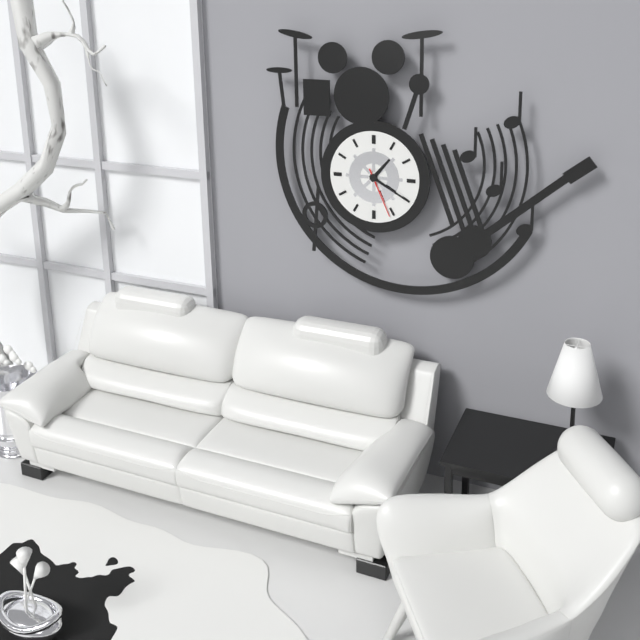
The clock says 1:20:26
